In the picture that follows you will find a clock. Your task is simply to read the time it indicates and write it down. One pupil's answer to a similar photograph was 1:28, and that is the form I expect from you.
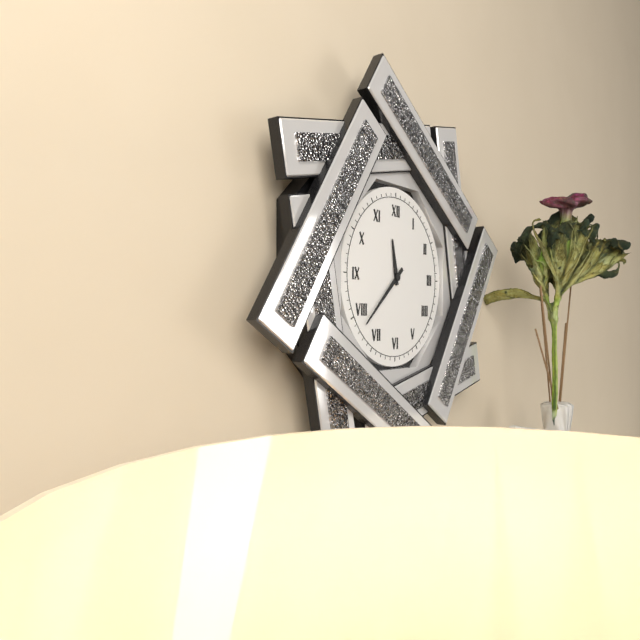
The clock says 11:38
